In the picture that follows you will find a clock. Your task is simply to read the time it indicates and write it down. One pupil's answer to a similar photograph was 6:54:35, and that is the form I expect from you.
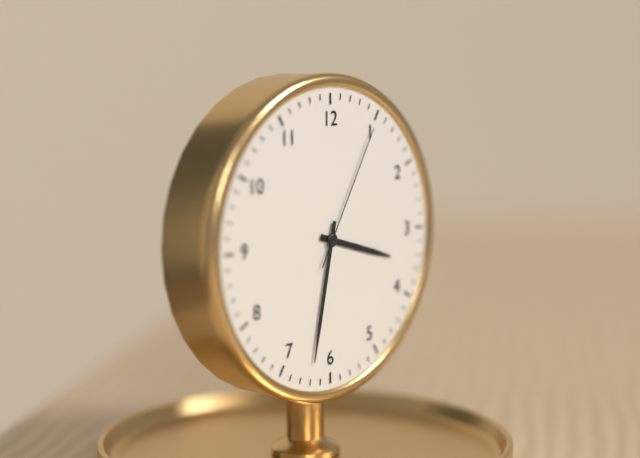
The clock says 3:32:05
